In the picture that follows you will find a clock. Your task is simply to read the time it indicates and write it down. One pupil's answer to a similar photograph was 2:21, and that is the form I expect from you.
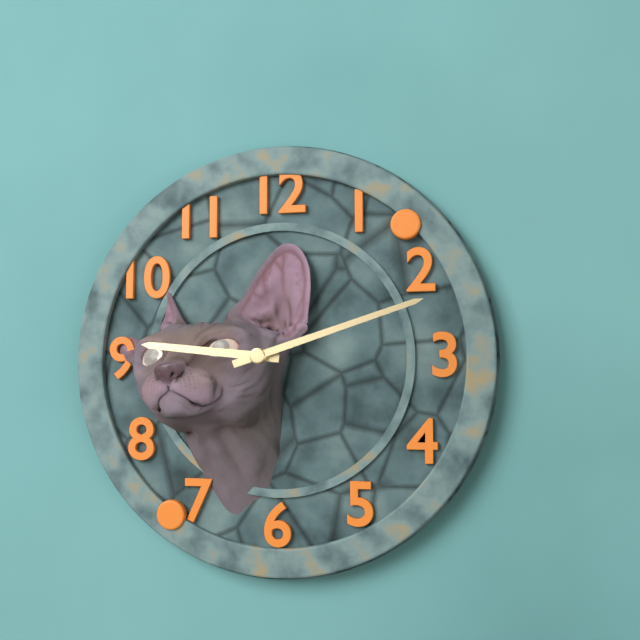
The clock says 9:12
